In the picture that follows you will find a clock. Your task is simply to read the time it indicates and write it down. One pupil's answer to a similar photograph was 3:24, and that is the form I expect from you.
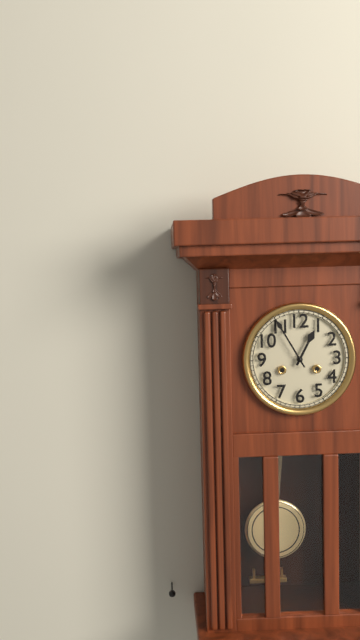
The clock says 12:55
